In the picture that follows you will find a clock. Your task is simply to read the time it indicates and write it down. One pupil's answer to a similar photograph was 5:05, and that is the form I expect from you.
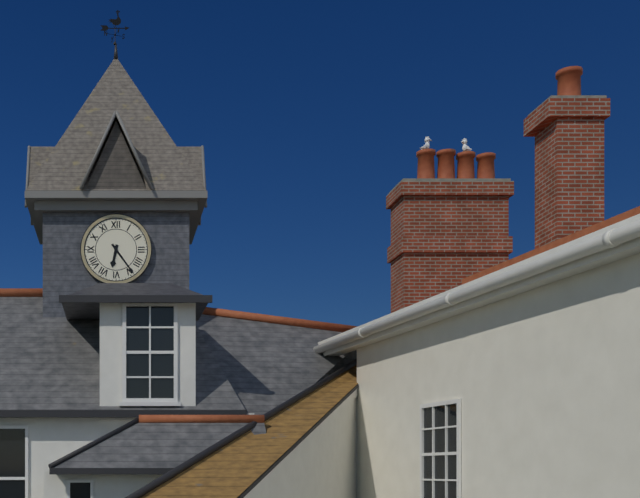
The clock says 6:24
